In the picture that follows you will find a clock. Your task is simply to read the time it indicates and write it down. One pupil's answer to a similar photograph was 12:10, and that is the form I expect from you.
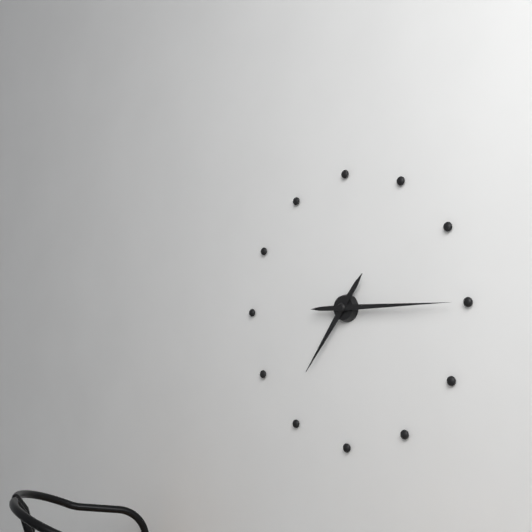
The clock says 7:15
